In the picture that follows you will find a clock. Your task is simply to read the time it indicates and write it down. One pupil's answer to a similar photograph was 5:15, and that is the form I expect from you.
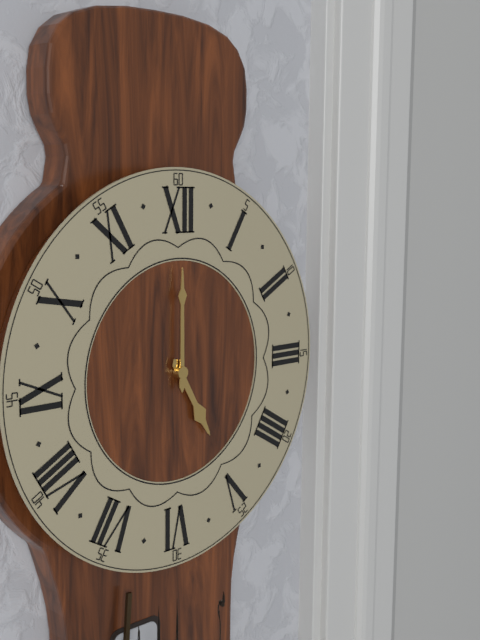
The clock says 5:00
